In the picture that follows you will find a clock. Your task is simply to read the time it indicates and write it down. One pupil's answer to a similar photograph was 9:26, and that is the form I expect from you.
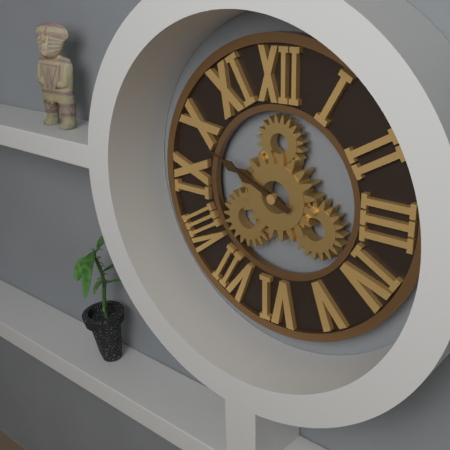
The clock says 9:49
